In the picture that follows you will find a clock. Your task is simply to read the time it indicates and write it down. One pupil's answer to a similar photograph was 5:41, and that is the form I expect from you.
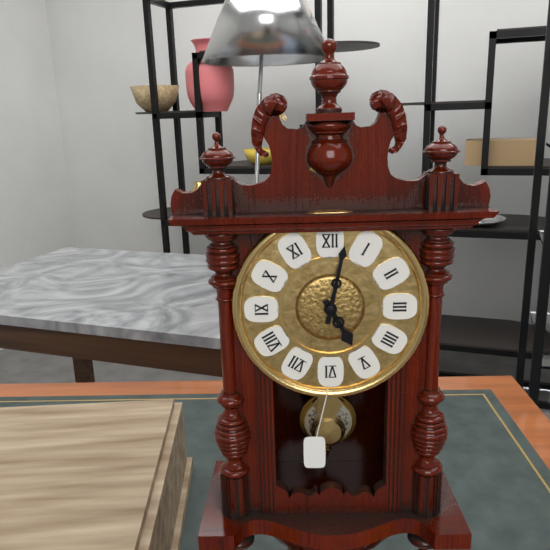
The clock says 5:02
